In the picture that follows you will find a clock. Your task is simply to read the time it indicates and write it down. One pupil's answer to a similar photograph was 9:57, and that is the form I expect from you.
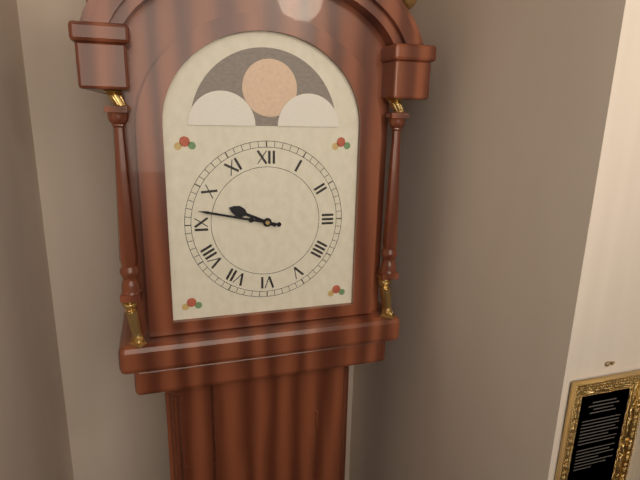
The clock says 9:47
